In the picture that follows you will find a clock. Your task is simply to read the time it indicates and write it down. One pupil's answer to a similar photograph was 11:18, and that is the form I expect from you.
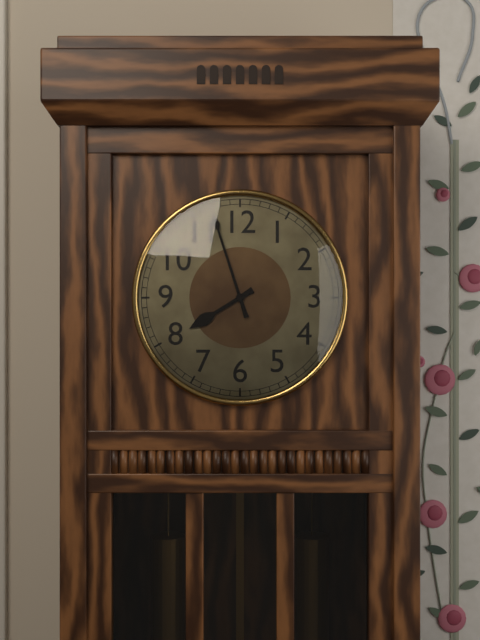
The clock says 7:57
